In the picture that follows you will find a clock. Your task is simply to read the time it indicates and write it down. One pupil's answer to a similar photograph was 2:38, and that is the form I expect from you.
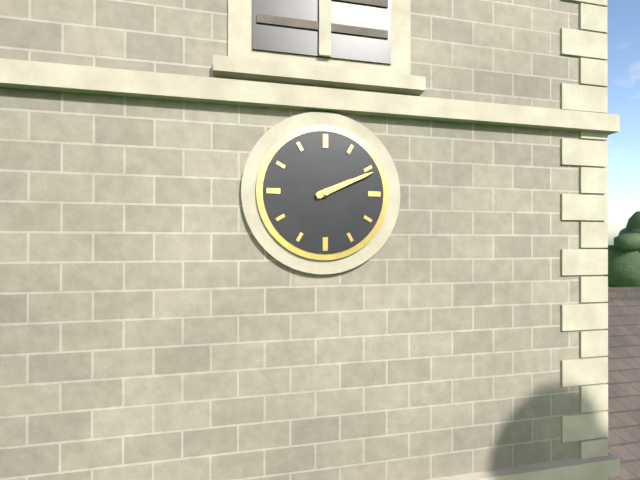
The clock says 2:11
